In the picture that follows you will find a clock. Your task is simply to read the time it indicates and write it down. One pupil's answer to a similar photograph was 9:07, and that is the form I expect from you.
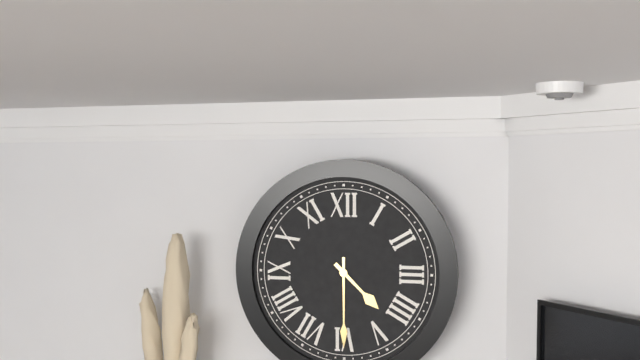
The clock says 4:30
